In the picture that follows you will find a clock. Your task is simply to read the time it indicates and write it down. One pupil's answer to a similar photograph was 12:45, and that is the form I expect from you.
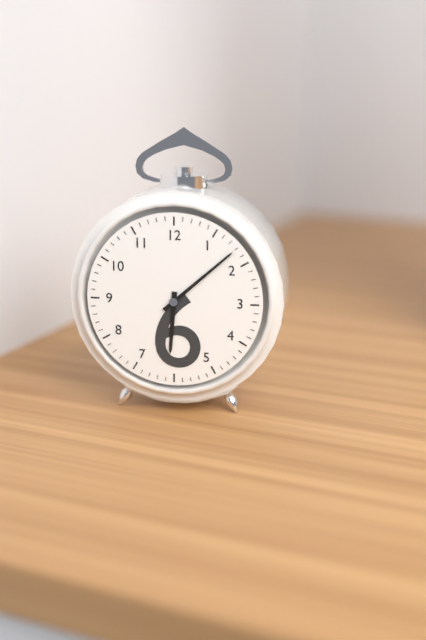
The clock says 6:08
